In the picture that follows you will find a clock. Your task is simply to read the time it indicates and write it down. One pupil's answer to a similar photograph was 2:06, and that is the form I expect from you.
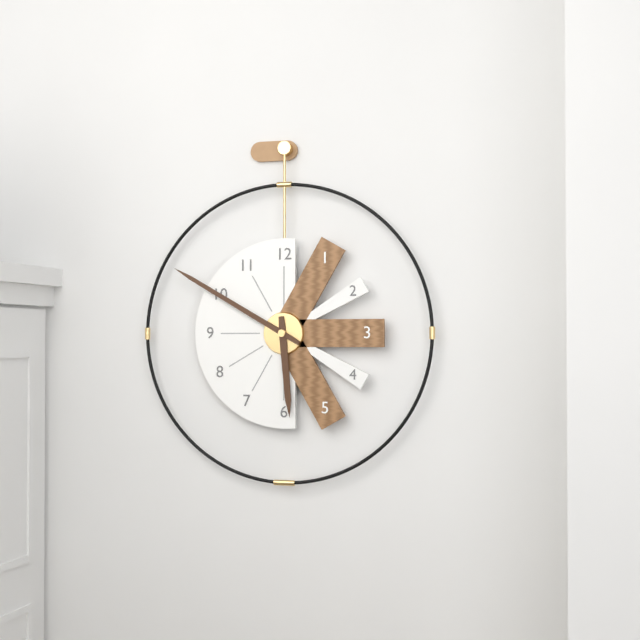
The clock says 5:50
